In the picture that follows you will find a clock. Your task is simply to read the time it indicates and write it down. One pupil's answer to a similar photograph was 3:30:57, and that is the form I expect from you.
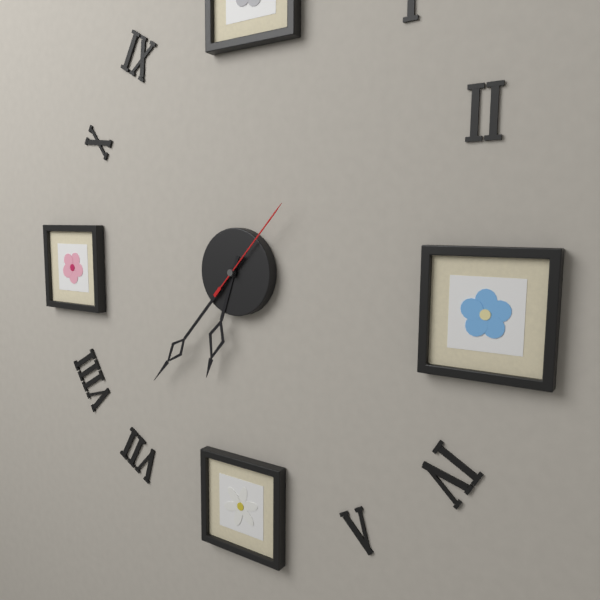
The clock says 6:37:07
